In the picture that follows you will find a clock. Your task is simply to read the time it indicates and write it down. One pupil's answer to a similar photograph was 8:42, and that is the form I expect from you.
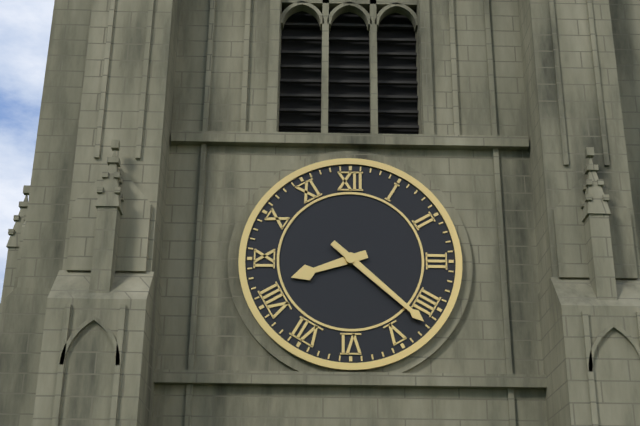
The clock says 8:22
